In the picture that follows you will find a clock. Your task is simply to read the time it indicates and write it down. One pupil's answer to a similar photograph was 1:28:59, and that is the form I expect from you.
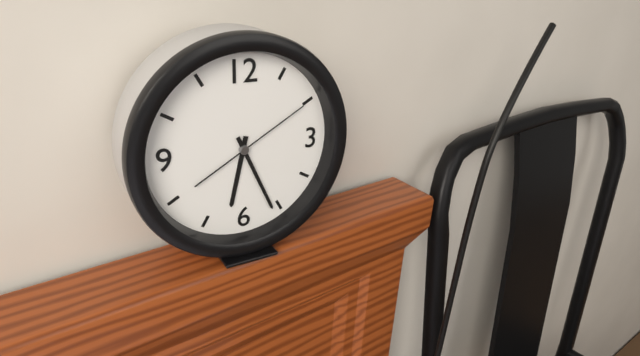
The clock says 6:26:10
